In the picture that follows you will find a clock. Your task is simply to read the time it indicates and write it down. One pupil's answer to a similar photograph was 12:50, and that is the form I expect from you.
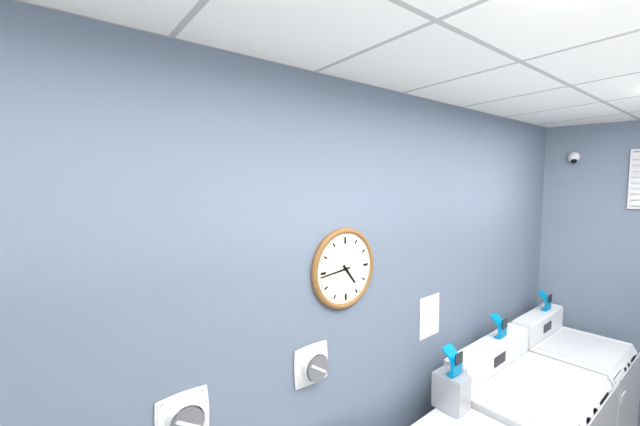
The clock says 4:44
